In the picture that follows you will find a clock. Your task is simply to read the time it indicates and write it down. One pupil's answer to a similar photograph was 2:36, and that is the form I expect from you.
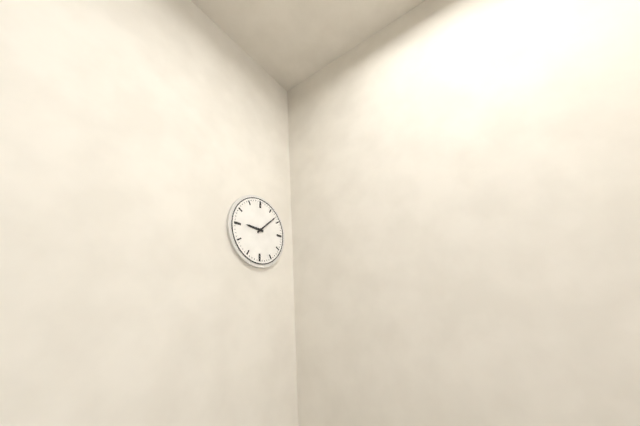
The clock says 9:08
